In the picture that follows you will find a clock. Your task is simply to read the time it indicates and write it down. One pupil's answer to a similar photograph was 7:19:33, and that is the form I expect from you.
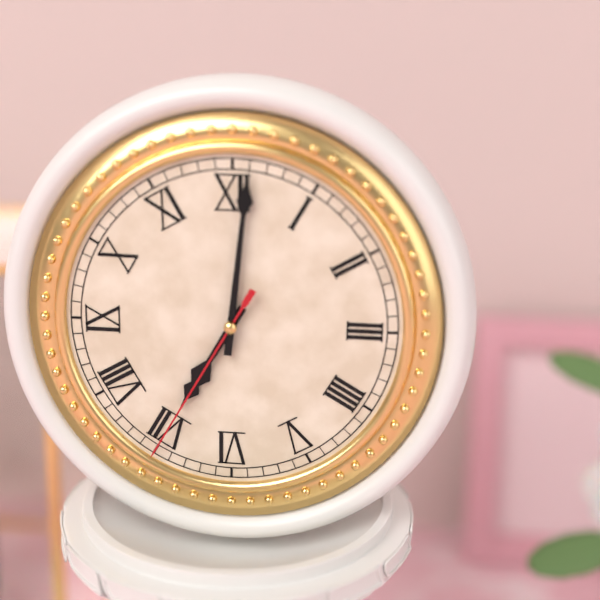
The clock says 7:01:35
